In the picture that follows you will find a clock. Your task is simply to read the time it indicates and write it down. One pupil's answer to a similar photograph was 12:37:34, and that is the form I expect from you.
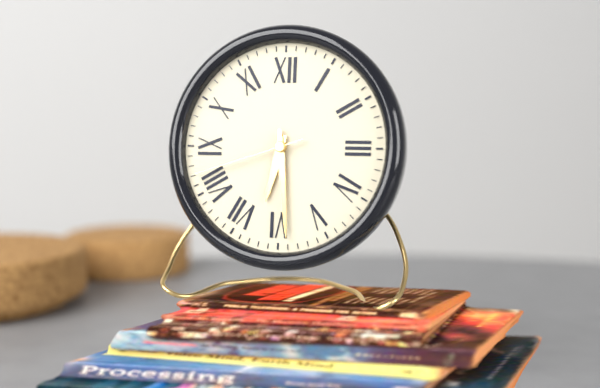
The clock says 6:29:42
